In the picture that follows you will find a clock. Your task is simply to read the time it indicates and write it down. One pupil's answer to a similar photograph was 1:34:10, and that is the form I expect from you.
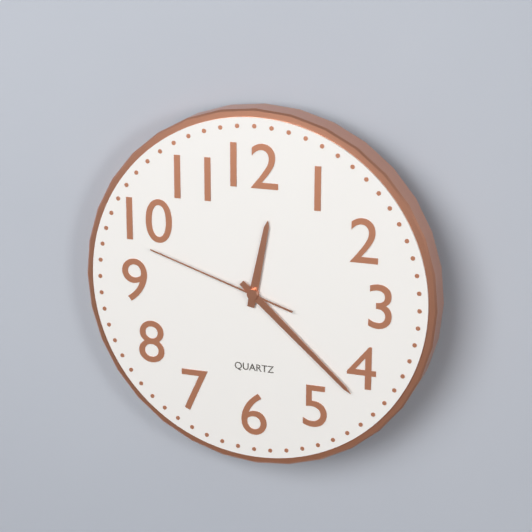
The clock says 12:22:48
